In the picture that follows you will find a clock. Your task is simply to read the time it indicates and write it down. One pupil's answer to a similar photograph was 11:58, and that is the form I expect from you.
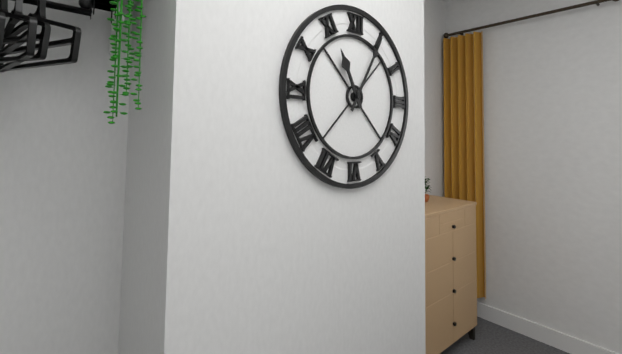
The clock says 11:05
